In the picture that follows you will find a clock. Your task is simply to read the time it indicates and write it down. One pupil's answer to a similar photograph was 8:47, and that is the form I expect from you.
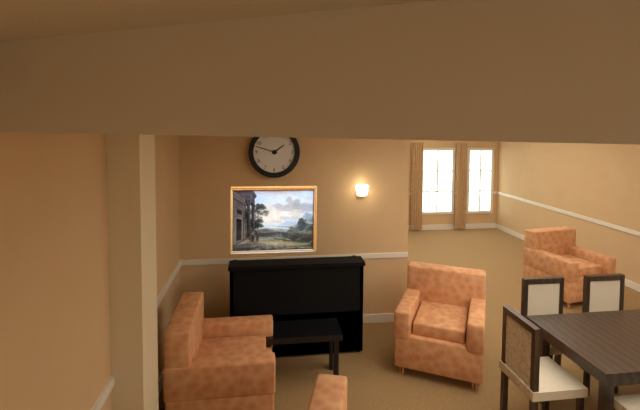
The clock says 1:48
